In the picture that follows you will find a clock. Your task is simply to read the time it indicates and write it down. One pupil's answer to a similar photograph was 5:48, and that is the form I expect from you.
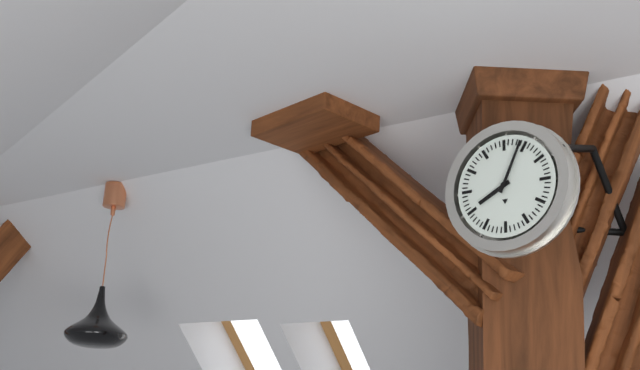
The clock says 8:04
